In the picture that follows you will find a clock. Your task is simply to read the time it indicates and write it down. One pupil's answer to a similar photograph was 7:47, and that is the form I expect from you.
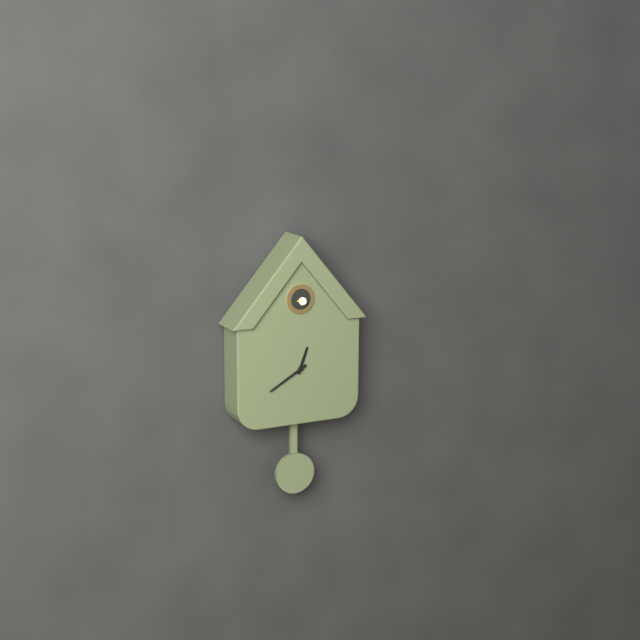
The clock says 12:40
